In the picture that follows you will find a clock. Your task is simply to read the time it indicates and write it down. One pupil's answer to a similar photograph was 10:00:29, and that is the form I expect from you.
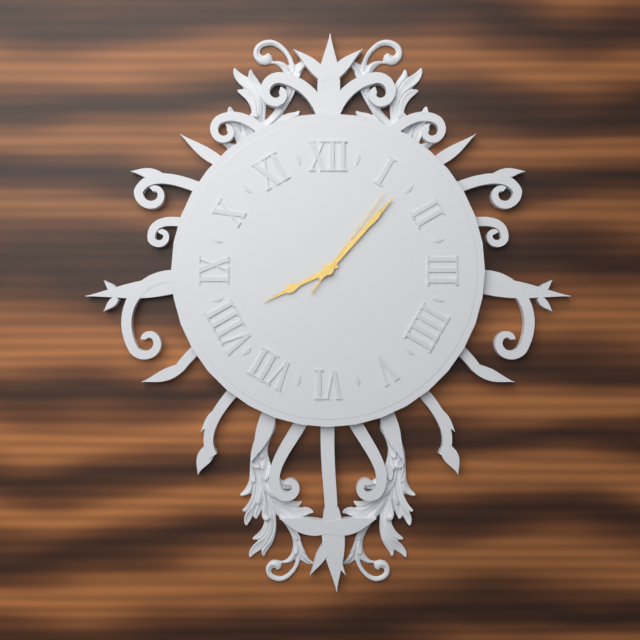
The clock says 8:07:06
